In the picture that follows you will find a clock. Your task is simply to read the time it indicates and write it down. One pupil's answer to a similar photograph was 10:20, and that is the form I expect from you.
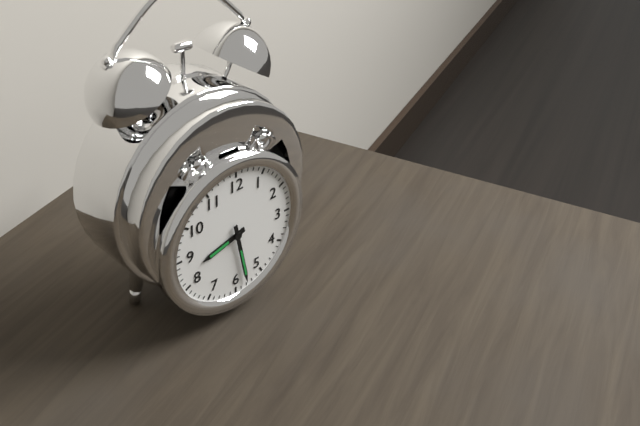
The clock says 8:28
